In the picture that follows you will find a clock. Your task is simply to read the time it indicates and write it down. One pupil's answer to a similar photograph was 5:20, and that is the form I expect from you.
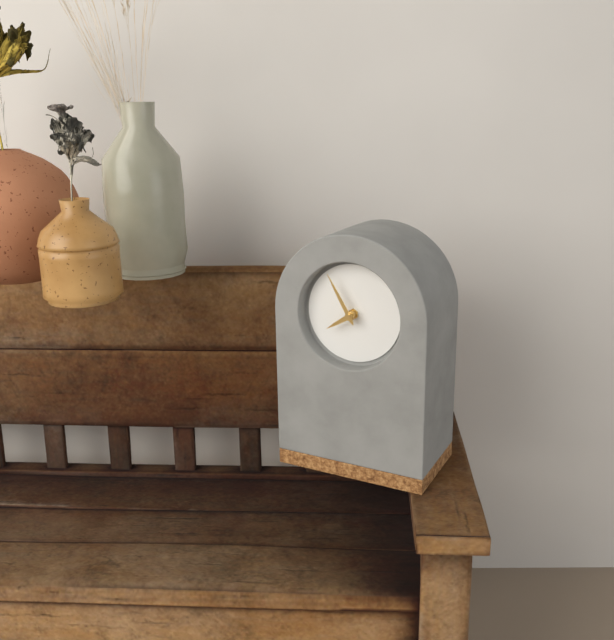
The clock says 7:55
